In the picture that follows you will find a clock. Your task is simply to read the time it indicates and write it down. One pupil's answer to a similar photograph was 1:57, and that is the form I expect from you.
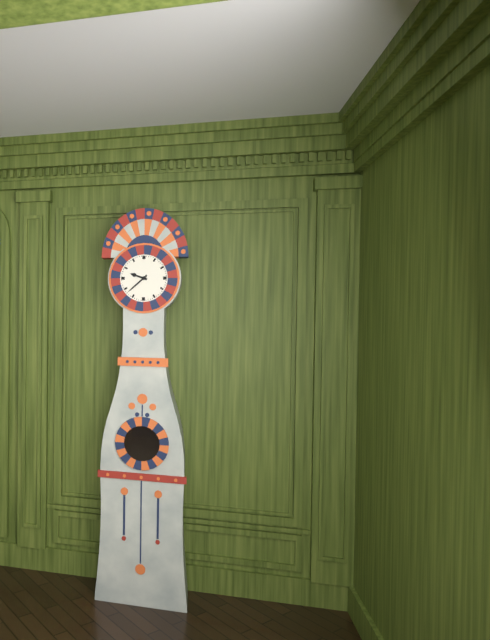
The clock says 9:38
